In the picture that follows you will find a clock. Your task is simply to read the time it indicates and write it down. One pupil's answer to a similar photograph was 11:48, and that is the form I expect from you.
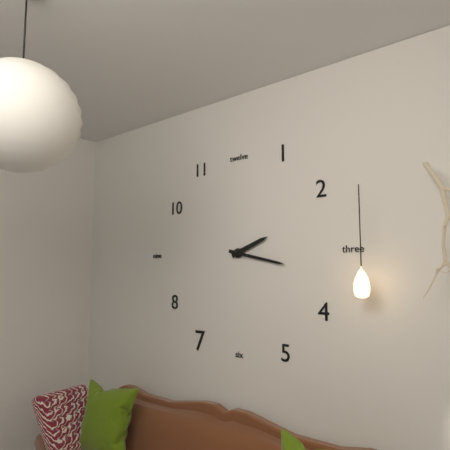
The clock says 2:17
